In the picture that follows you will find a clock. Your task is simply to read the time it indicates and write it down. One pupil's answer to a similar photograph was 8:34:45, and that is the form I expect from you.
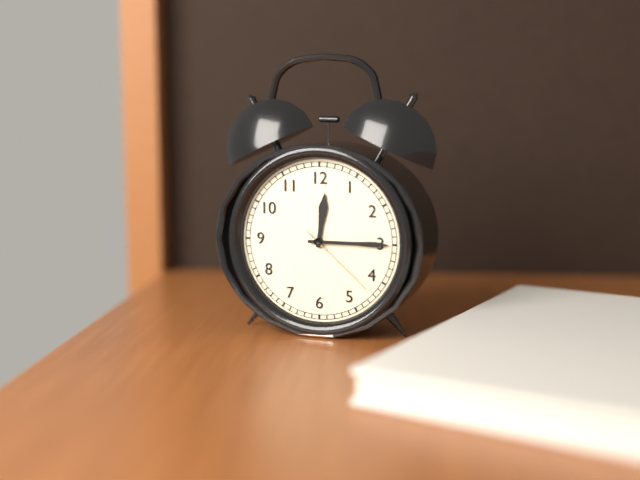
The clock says 12:15:22
